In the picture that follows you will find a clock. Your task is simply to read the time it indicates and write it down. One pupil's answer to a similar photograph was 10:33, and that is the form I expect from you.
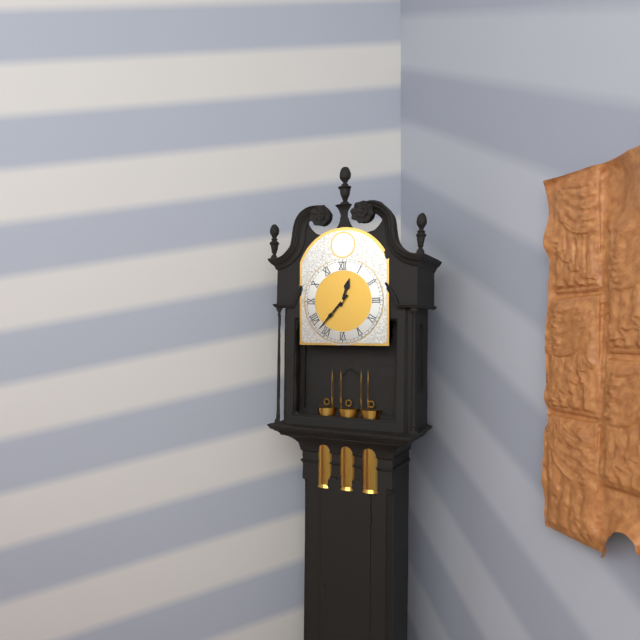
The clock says 12:37
